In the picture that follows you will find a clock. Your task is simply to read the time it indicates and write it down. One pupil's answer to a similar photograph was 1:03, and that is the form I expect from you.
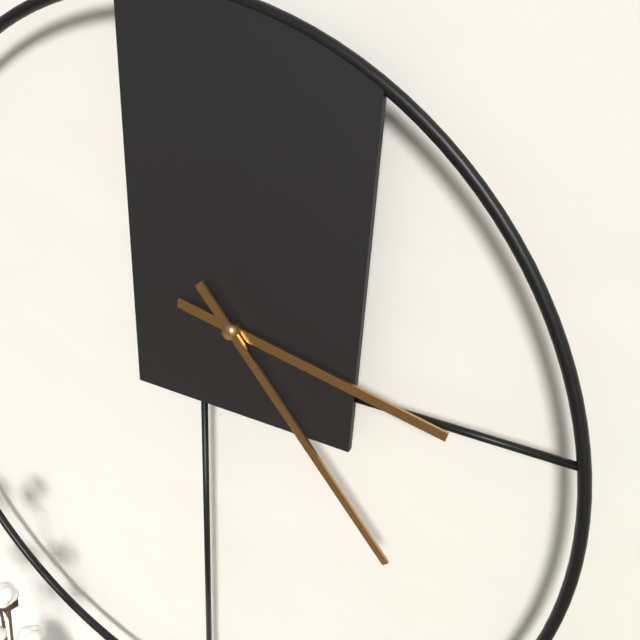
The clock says 3:23
